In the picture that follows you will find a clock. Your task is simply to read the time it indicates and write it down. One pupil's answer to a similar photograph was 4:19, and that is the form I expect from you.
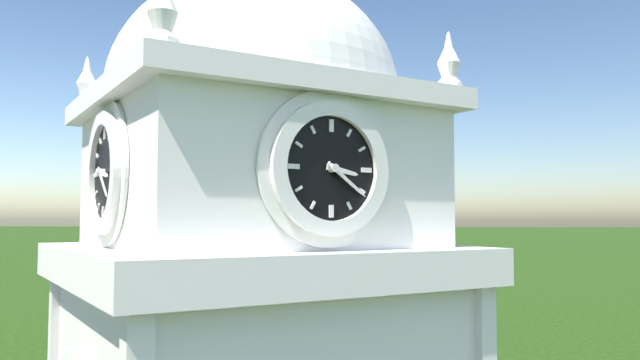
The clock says 3:21
